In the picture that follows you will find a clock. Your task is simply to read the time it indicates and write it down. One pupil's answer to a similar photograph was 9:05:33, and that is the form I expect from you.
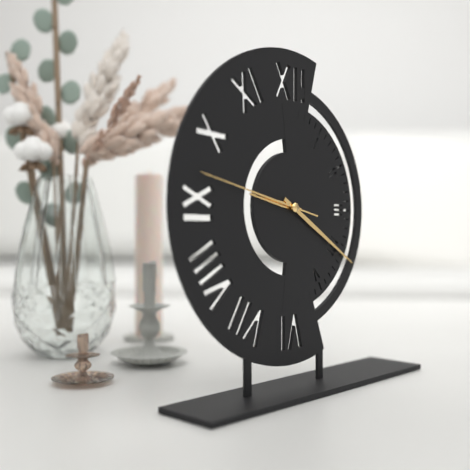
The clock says 9:20:47
